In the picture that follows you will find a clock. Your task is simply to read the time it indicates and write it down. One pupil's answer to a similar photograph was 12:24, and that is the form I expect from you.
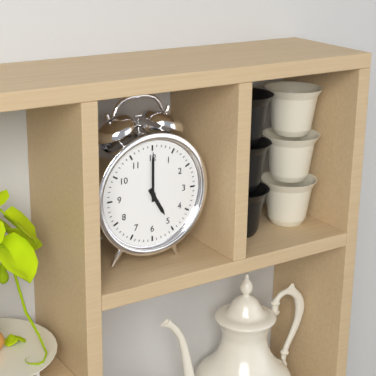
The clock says 5:00
